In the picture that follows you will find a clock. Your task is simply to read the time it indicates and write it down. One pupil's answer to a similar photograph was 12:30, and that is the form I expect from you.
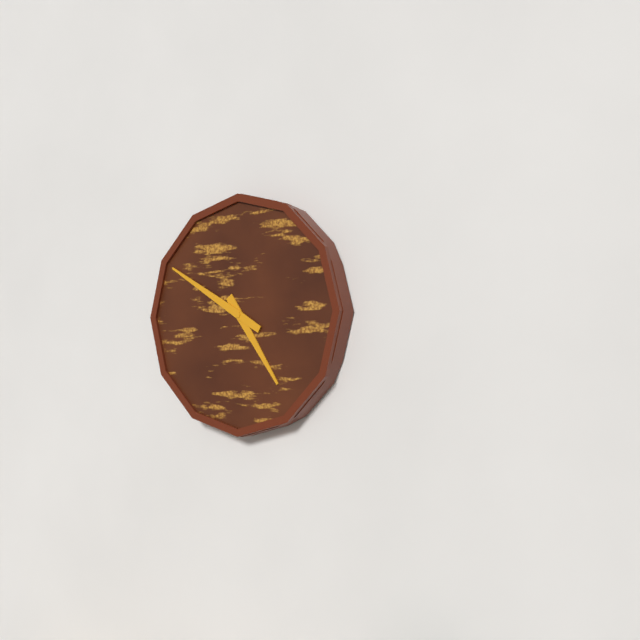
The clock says 4:50
